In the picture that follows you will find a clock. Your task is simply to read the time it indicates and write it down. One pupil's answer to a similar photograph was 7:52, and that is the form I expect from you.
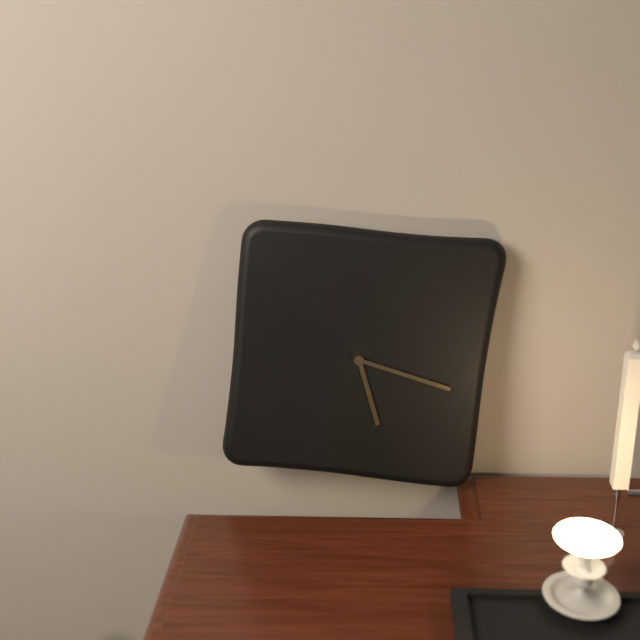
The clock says 5:17
